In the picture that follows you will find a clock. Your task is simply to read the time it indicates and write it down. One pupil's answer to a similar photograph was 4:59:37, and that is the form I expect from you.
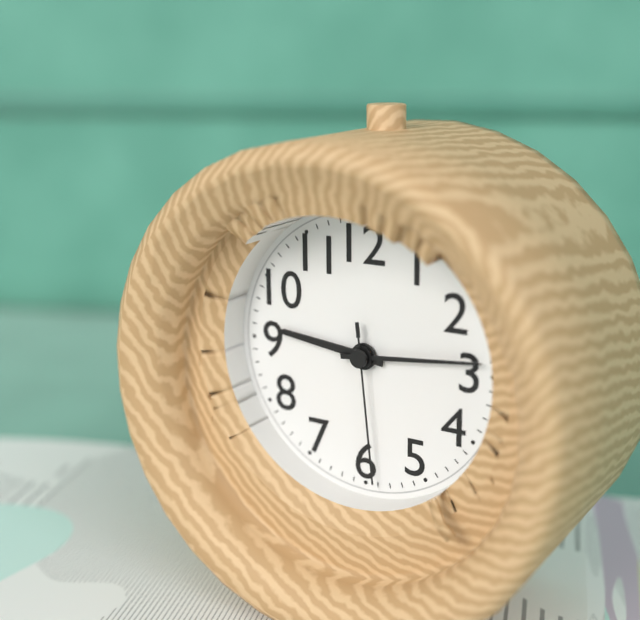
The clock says 9:14:29
